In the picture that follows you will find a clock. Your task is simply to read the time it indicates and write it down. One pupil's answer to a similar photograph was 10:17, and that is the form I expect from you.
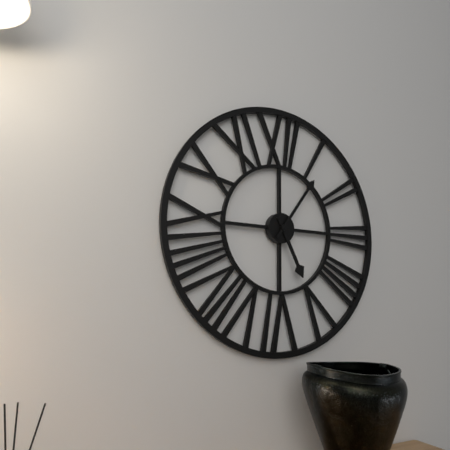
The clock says 5:06
